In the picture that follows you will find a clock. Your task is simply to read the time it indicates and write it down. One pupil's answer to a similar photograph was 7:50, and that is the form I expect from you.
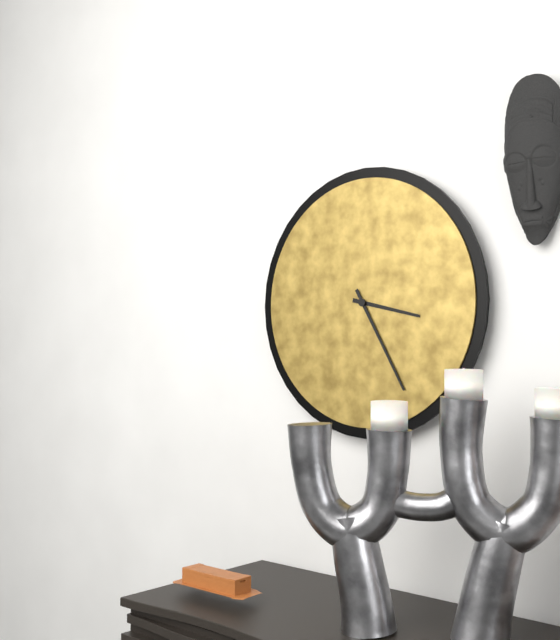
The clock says 3:25
